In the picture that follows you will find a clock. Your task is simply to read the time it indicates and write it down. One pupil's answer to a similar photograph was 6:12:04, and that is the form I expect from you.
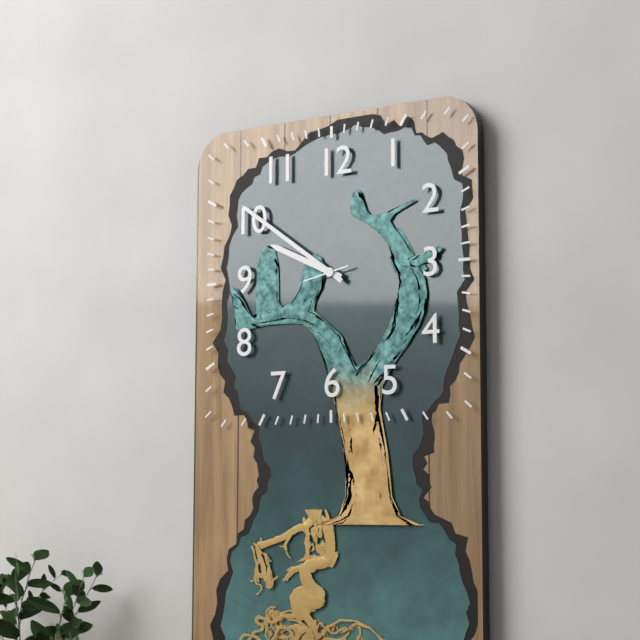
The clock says 9:51:43
